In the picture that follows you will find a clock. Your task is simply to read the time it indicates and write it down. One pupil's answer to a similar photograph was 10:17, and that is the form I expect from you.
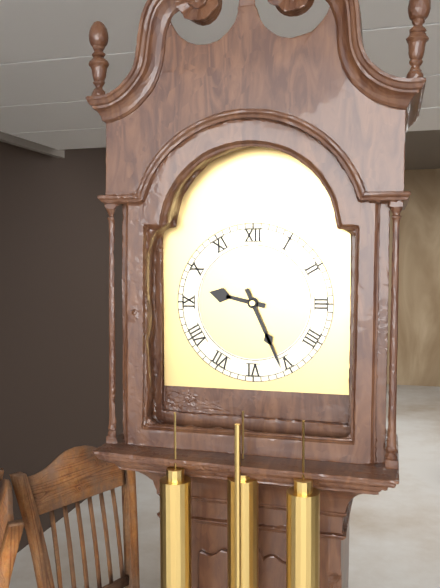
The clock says 9:26
